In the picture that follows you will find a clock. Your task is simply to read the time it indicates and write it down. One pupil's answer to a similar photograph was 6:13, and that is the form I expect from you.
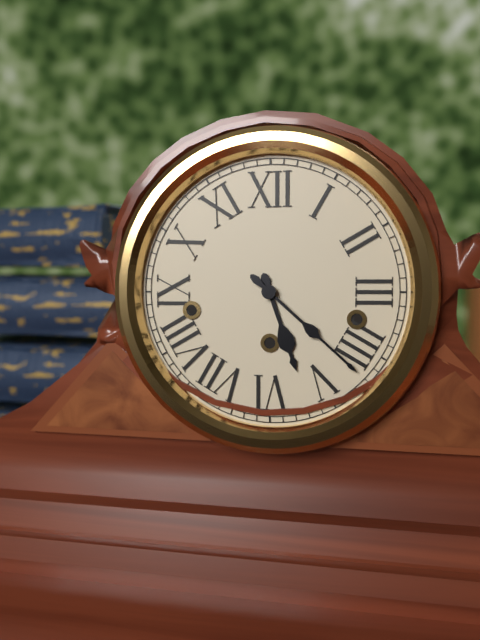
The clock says 5:22
